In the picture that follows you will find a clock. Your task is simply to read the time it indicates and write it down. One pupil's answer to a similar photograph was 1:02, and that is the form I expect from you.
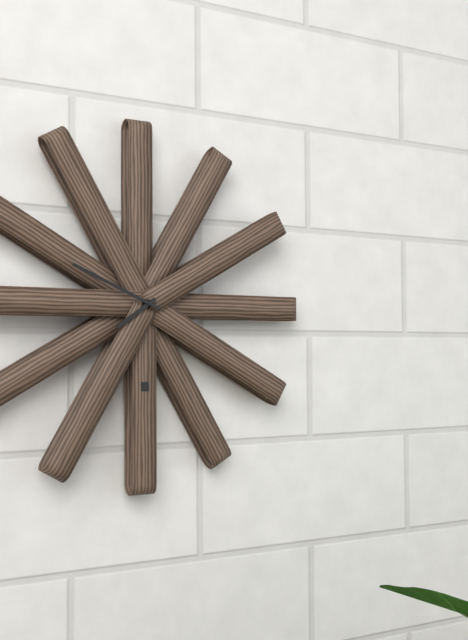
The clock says 7:49
